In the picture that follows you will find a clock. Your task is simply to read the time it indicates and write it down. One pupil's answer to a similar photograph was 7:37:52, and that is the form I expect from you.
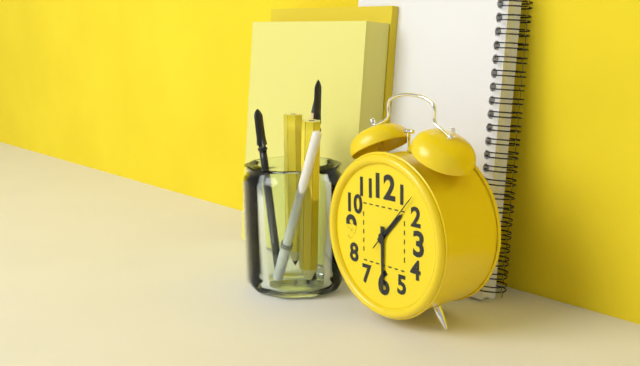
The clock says 1:30:07
